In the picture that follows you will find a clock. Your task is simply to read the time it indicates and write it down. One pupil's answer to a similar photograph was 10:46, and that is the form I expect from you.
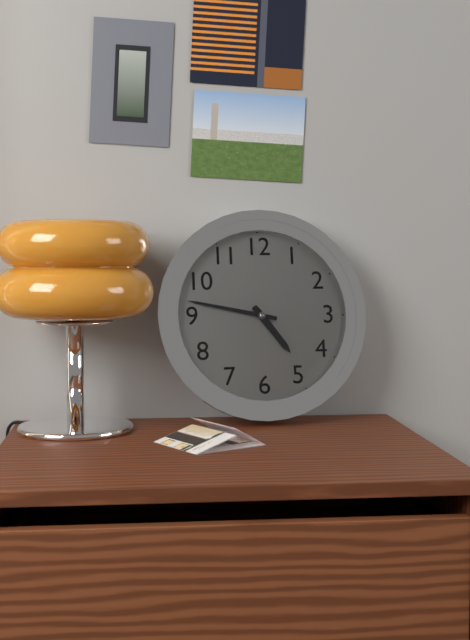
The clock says 4:47
